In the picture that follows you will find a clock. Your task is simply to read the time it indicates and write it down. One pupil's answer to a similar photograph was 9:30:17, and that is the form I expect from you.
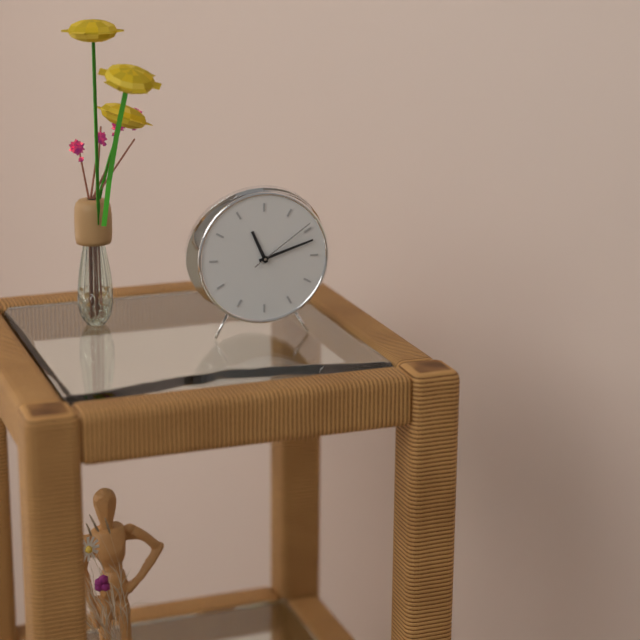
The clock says 11:12:09
